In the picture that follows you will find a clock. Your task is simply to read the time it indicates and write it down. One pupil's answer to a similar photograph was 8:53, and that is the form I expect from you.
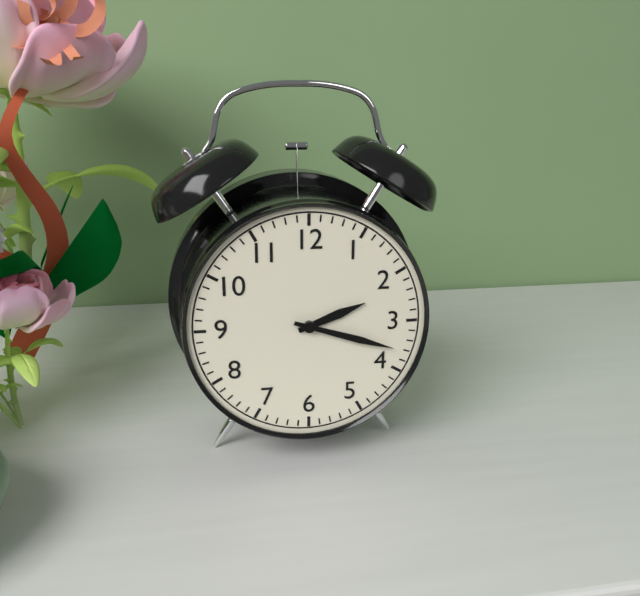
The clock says 2:18
